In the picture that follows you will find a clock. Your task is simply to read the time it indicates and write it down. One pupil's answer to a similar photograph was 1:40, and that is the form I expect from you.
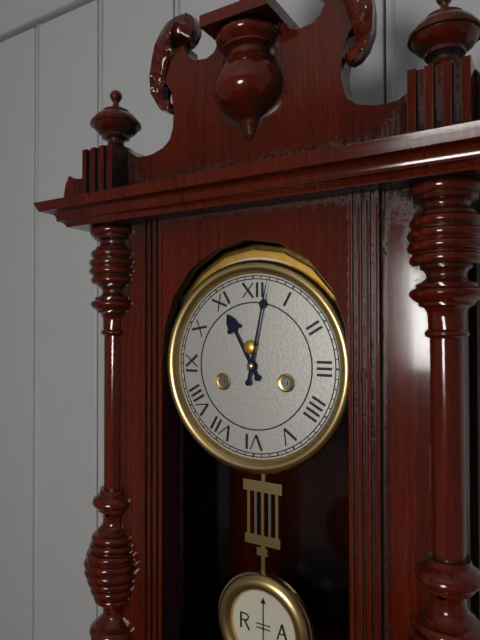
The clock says 11:02
